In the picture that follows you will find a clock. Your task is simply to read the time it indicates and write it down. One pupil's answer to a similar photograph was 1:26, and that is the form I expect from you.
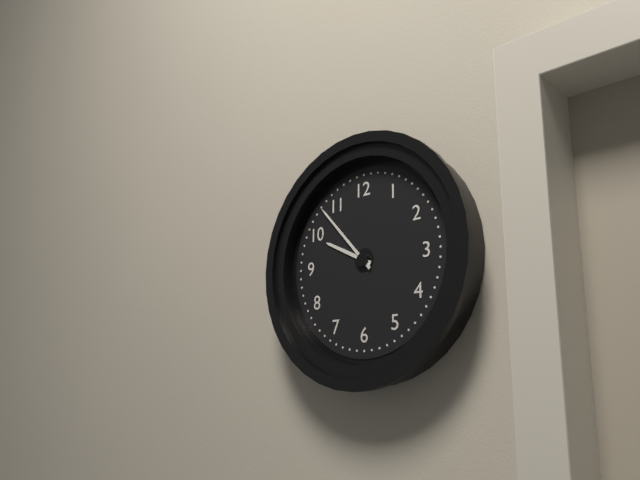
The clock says 9:53
